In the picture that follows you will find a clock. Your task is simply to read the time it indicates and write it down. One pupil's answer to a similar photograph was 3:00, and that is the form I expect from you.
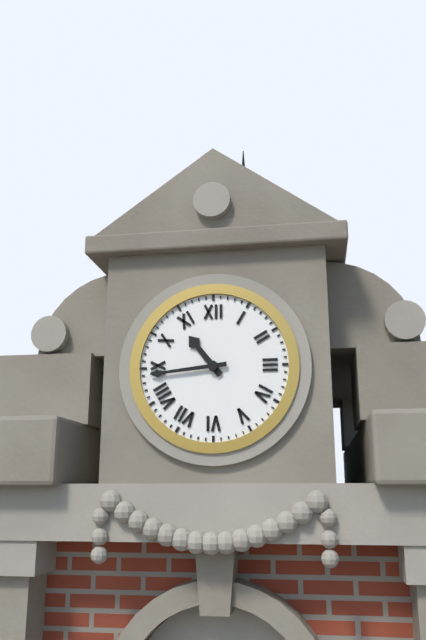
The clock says 10:44
